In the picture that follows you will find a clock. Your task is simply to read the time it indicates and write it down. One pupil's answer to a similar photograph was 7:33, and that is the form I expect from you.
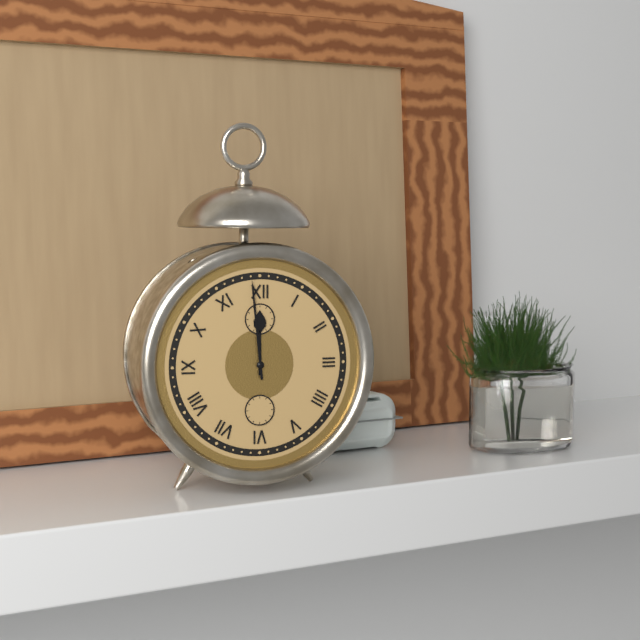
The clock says 11:59
